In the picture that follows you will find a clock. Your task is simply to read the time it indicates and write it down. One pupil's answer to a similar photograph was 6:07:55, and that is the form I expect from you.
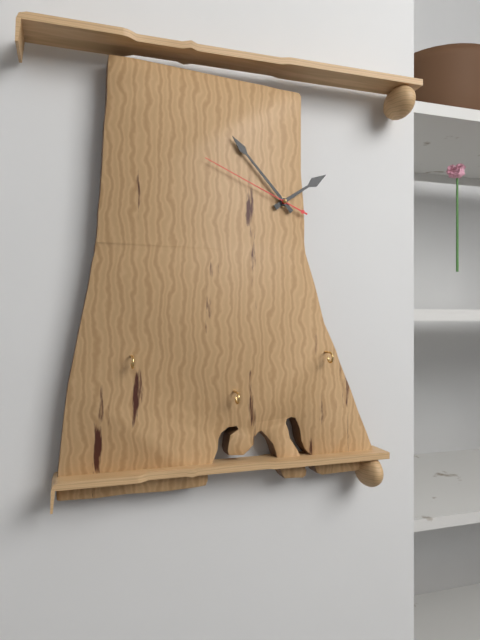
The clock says 1:53:49
